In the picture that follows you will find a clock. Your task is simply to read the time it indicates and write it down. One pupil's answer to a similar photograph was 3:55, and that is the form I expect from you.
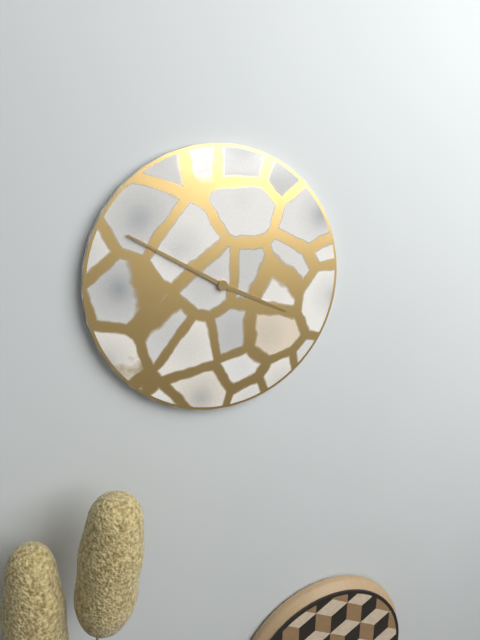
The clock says 3:50
